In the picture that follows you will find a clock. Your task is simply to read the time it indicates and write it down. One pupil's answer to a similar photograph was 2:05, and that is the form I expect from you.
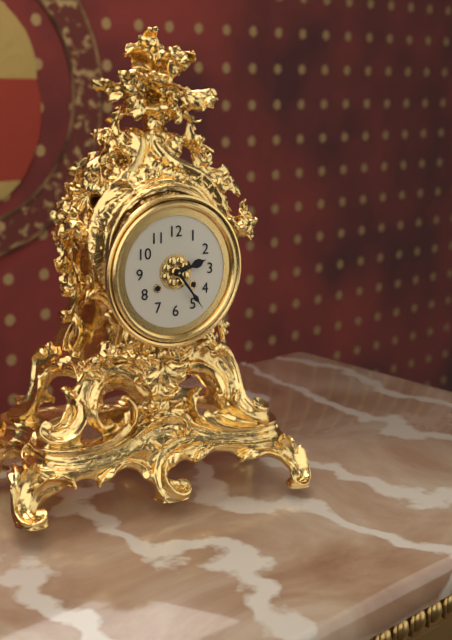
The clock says 2:24
